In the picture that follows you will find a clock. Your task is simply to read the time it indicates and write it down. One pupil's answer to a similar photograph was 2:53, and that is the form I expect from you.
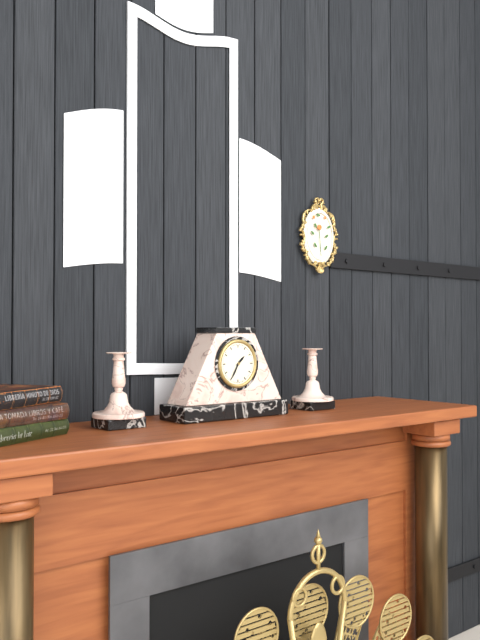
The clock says 1:35
